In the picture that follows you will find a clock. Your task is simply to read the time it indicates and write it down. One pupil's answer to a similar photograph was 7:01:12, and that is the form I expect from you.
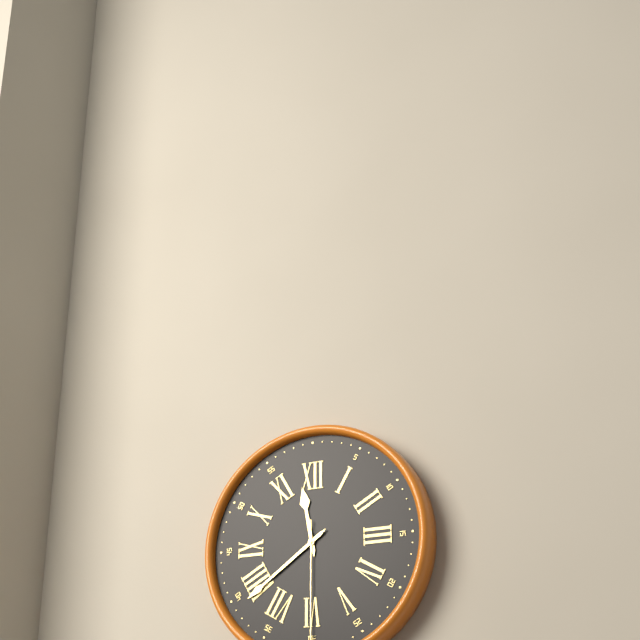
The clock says 11:39:30
